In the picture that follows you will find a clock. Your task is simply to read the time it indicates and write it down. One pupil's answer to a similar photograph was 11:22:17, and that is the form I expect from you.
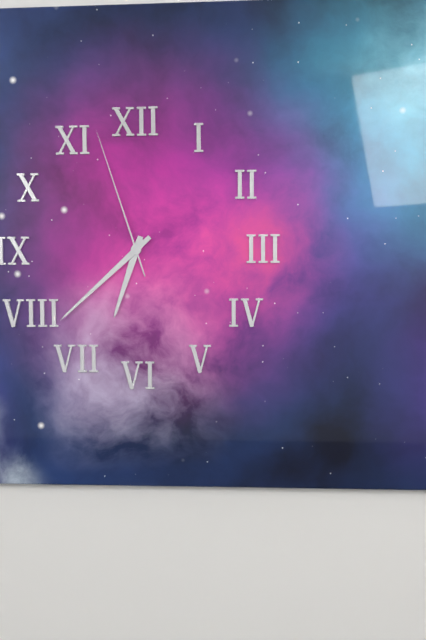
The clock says 6:38:57
